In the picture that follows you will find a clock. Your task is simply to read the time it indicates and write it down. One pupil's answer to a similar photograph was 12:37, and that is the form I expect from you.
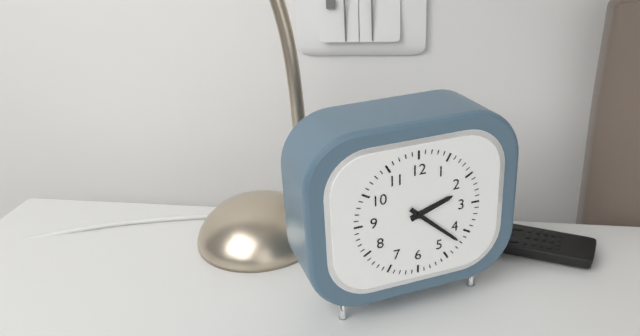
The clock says 2:22
